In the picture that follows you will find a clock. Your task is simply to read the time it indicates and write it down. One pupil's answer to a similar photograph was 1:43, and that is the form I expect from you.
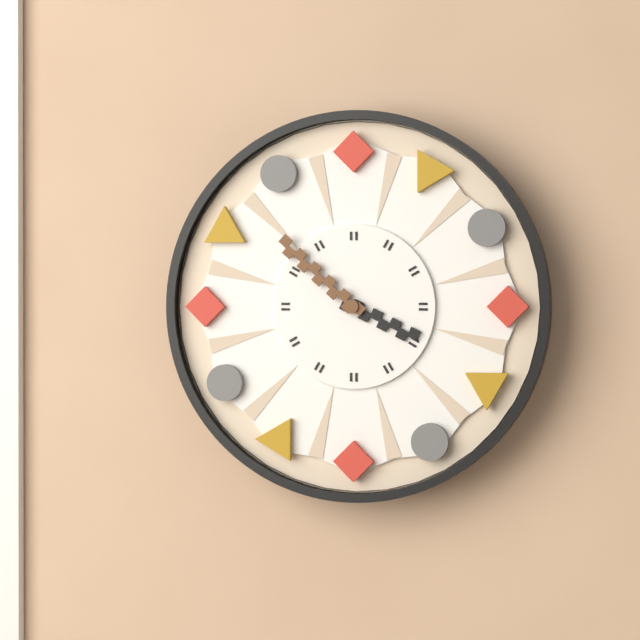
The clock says 3:52
